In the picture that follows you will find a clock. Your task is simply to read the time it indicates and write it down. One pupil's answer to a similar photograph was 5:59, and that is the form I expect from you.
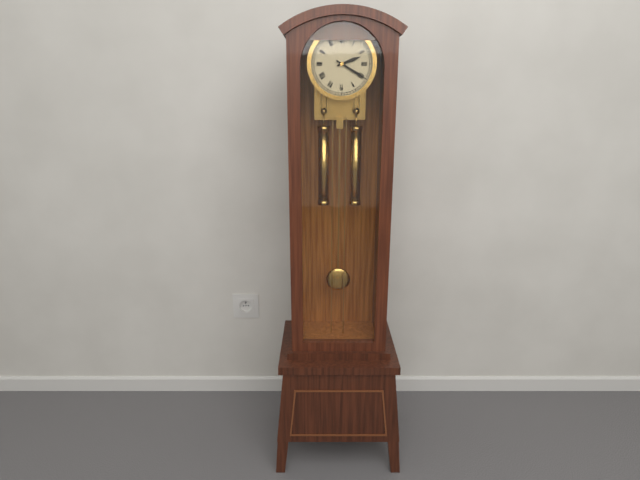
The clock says 2:20
